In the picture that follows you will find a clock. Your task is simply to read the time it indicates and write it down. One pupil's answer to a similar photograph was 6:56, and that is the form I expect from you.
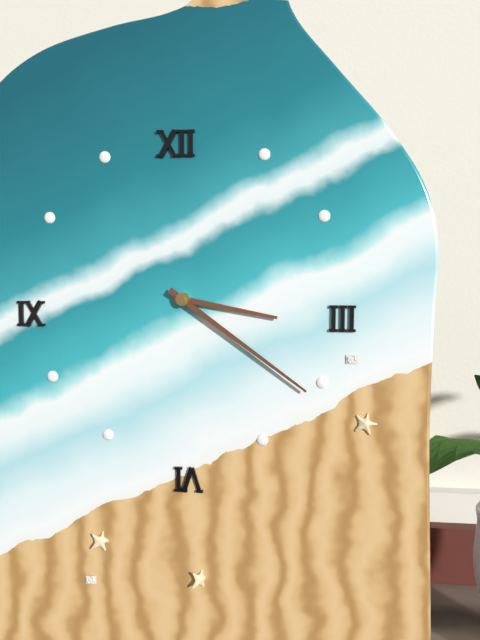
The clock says 3:21
